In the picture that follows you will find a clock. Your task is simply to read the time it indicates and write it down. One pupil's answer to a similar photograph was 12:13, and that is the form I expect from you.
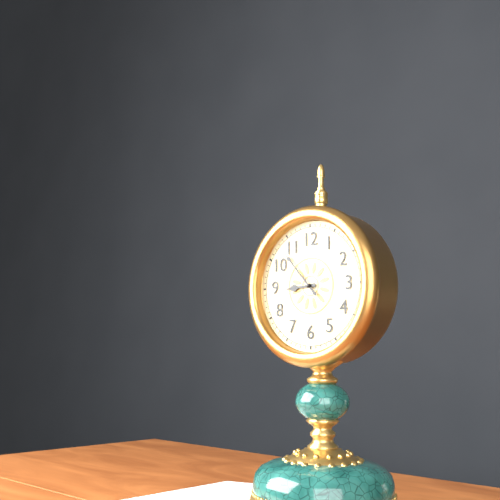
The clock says 8:53
